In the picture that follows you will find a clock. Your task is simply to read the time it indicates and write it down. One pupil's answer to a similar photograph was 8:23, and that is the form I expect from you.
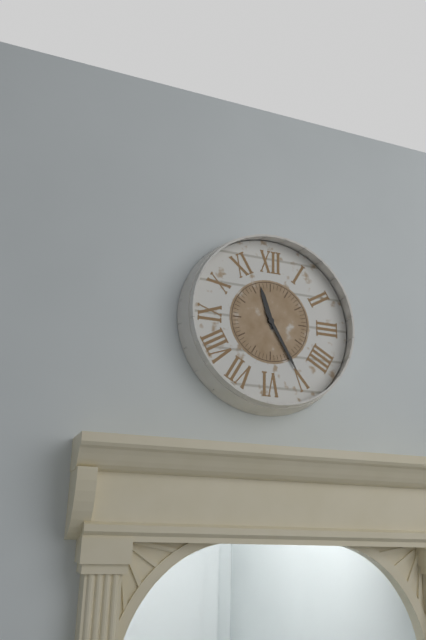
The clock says 11:25
